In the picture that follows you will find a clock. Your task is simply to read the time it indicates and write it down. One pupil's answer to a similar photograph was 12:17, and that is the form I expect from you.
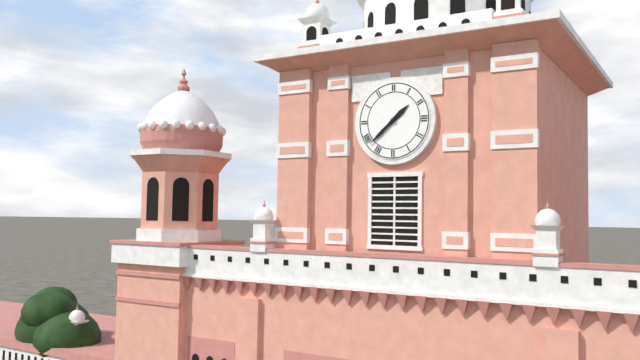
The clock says 1:38
